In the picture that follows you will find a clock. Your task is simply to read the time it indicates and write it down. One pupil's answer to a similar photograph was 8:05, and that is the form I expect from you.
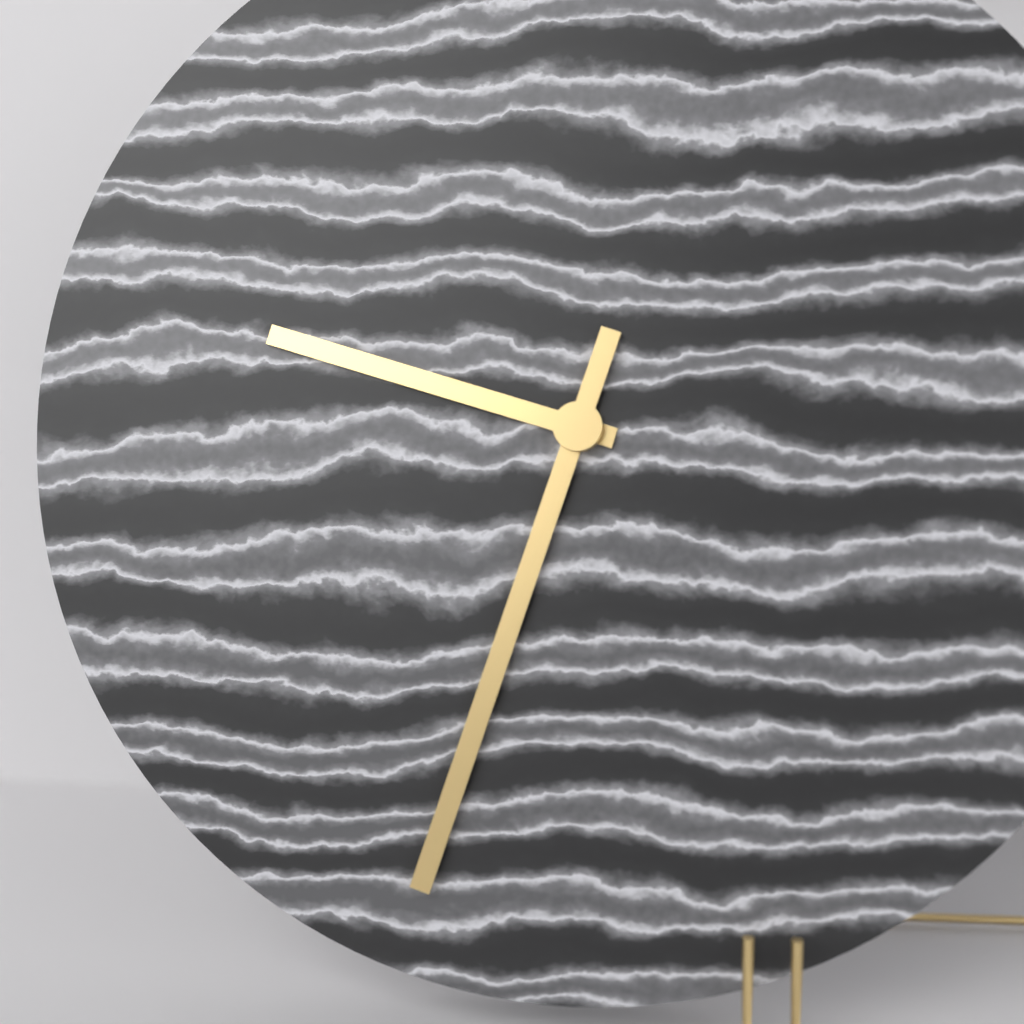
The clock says 9:33
